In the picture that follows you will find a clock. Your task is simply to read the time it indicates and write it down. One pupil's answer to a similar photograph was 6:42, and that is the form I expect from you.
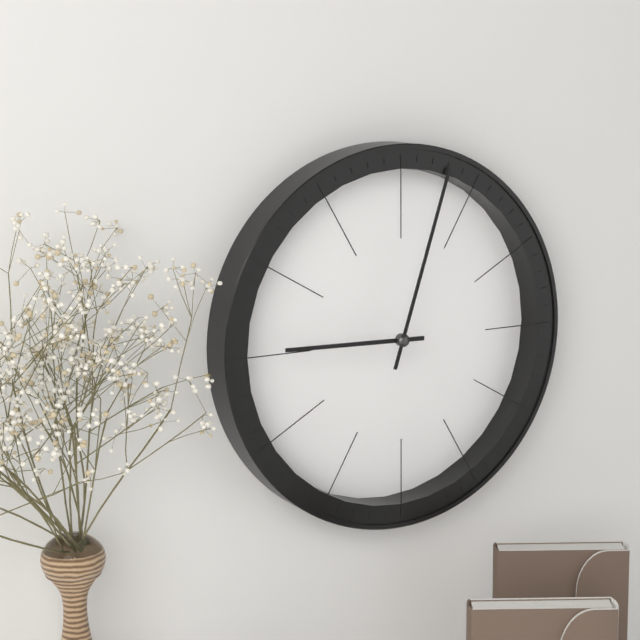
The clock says 9:03
